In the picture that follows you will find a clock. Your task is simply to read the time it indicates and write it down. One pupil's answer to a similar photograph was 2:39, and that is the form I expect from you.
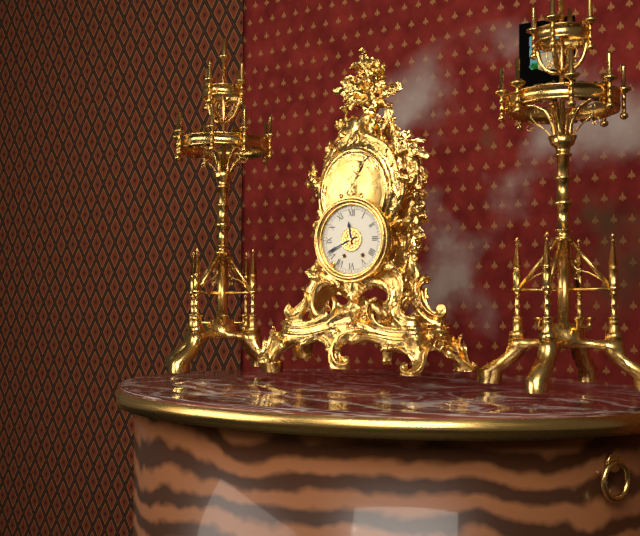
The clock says 11:41
